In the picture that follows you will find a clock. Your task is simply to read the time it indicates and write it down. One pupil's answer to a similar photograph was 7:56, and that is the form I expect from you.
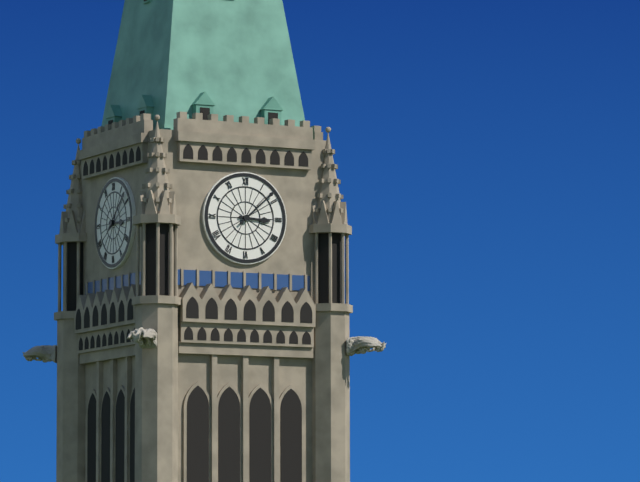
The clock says 3:08
